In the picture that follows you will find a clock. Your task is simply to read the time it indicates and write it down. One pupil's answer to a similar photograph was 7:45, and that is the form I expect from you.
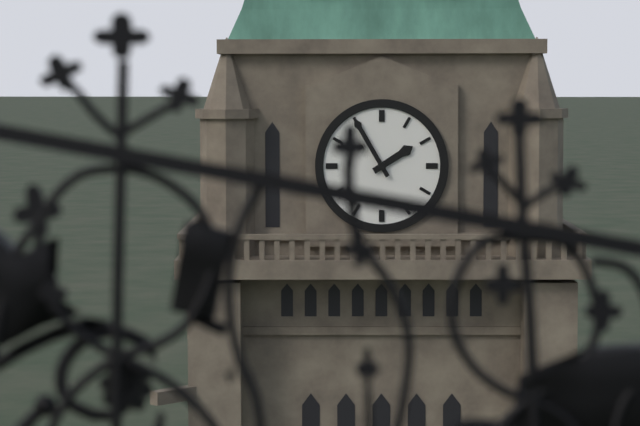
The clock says 1:55
